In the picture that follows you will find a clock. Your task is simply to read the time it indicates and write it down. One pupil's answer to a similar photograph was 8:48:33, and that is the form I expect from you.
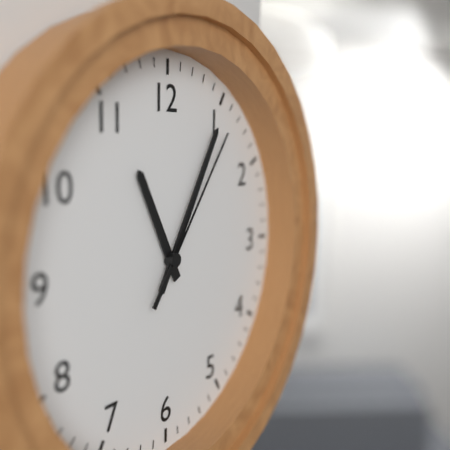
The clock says 11:05:06
